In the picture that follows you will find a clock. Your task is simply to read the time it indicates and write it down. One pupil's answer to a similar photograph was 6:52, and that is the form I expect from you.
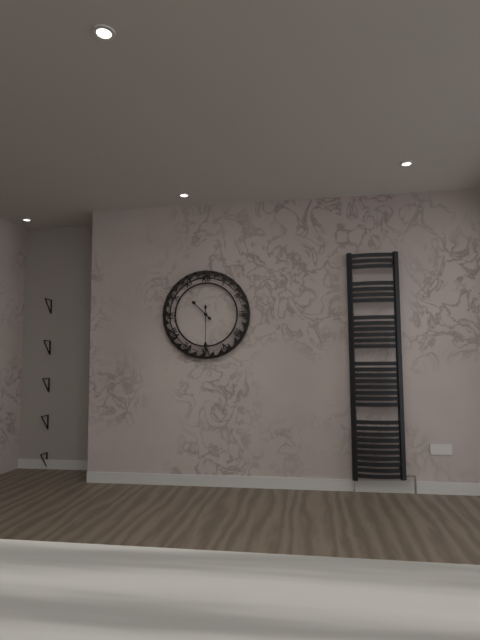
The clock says 10:30
